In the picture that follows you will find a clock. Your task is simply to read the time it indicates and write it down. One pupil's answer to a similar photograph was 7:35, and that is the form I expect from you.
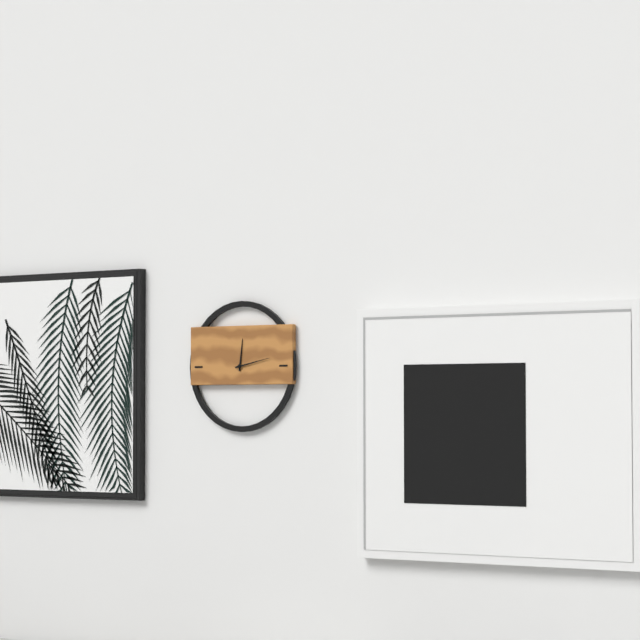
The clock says 12:13
